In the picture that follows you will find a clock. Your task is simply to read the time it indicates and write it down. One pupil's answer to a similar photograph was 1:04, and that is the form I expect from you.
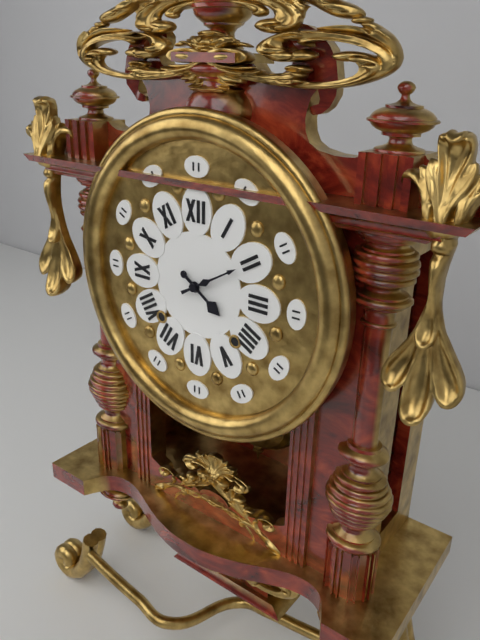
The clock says 4:10
